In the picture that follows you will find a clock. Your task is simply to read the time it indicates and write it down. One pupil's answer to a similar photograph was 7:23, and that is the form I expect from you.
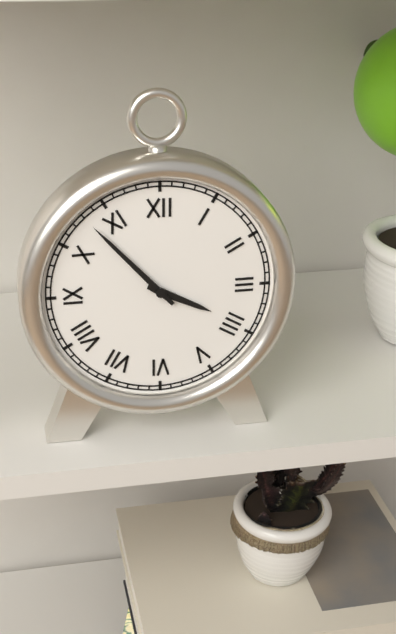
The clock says 3:53
